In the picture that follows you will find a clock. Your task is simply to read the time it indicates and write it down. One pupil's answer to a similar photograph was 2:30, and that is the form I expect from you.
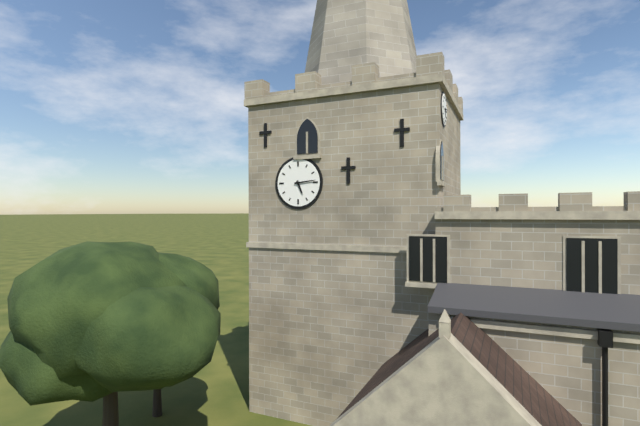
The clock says 5:14
